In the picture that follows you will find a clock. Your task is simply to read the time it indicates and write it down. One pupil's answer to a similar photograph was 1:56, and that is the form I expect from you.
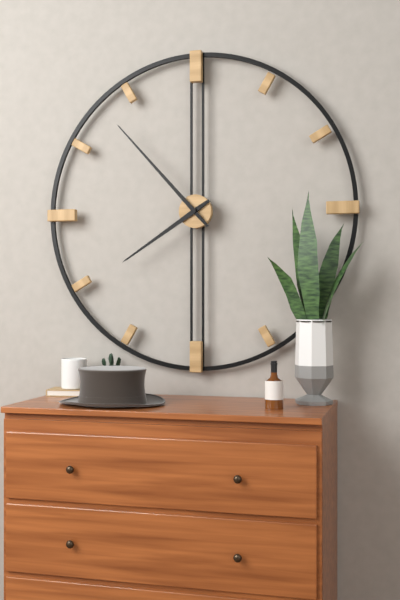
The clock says 7:53
